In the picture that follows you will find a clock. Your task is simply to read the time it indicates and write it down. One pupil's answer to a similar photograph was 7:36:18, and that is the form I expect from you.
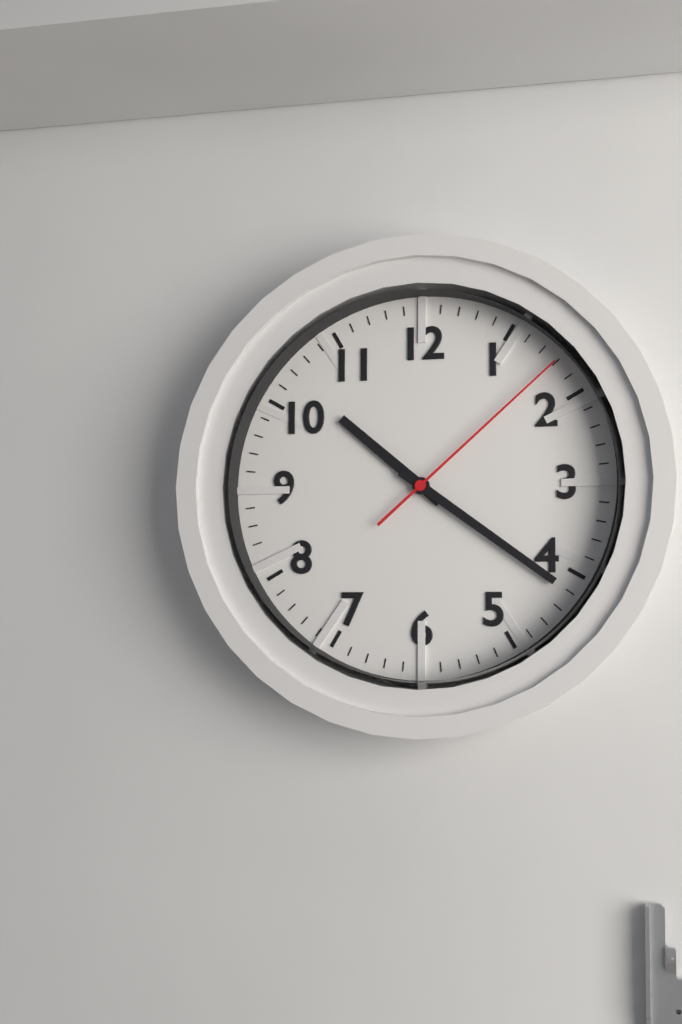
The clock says 10:21:08
